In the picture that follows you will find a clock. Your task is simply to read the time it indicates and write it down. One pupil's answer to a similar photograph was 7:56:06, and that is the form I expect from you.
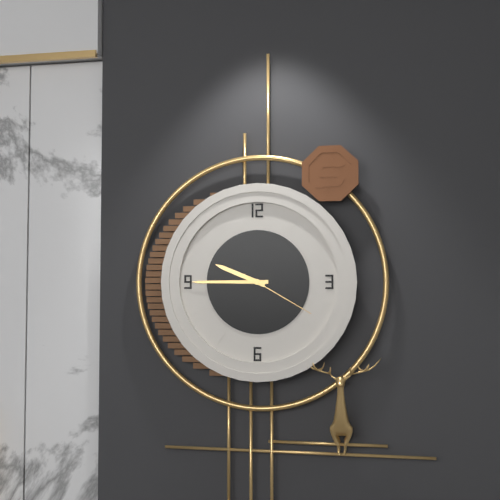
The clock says 9:45:20
